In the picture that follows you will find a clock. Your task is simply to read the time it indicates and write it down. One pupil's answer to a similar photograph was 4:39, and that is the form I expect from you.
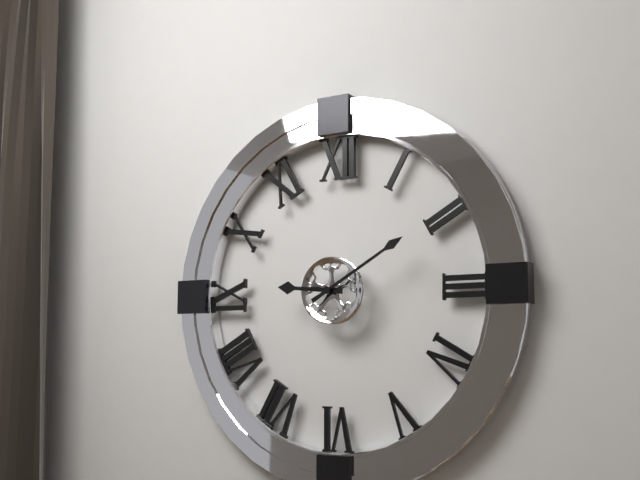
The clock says 9:10
